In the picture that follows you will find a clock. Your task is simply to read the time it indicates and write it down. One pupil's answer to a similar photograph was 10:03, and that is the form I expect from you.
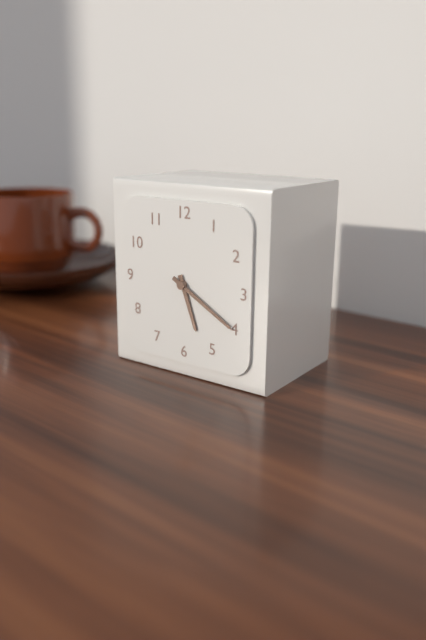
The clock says 5:20
